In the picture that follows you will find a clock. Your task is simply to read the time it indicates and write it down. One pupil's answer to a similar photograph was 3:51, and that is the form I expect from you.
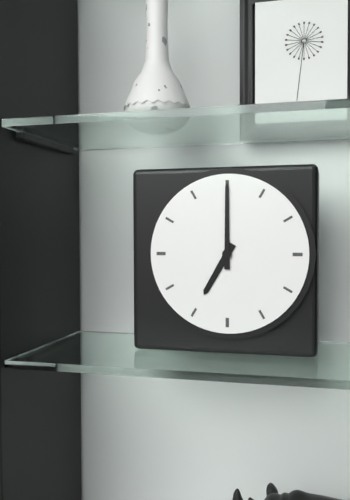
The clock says 7:00
